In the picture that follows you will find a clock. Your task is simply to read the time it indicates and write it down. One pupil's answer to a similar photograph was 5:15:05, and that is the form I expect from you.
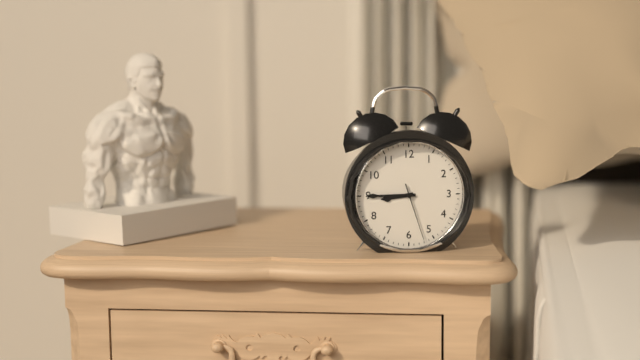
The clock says 8:45:27
